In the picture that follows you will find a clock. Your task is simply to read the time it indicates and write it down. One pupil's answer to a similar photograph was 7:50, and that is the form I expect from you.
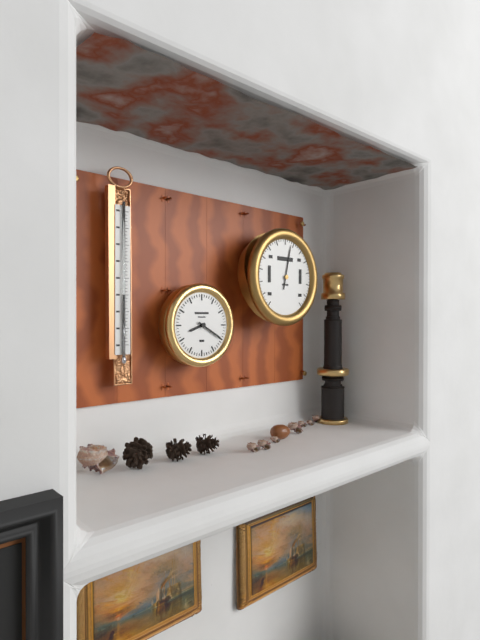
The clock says 8:20
